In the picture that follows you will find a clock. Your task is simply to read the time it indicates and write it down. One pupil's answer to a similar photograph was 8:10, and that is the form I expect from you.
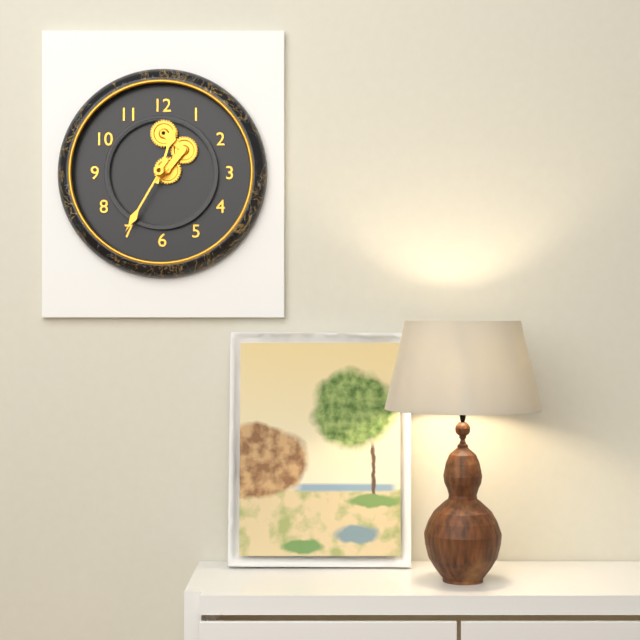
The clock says 12:35
